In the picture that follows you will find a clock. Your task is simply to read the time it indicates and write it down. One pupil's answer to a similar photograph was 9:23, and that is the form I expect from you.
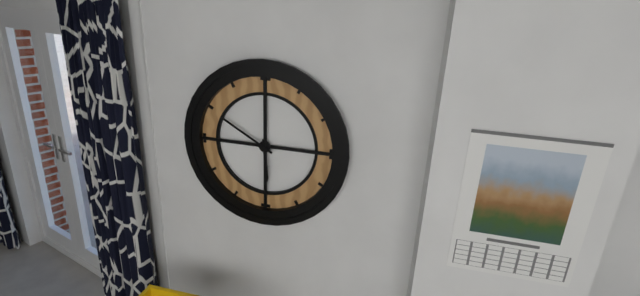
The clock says 5:50
